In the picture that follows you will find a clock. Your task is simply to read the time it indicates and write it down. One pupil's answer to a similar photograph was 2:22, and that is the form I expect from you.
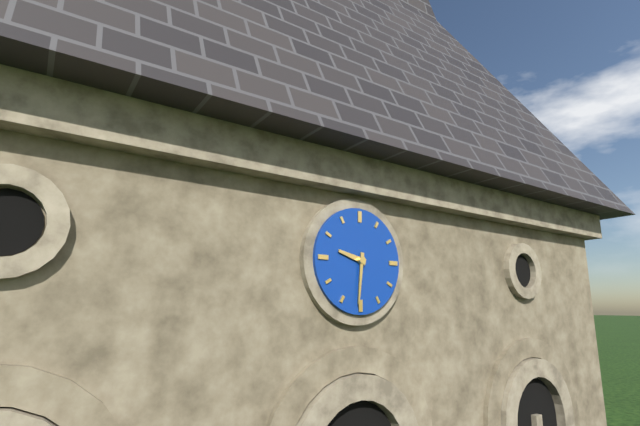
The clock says 9:31
